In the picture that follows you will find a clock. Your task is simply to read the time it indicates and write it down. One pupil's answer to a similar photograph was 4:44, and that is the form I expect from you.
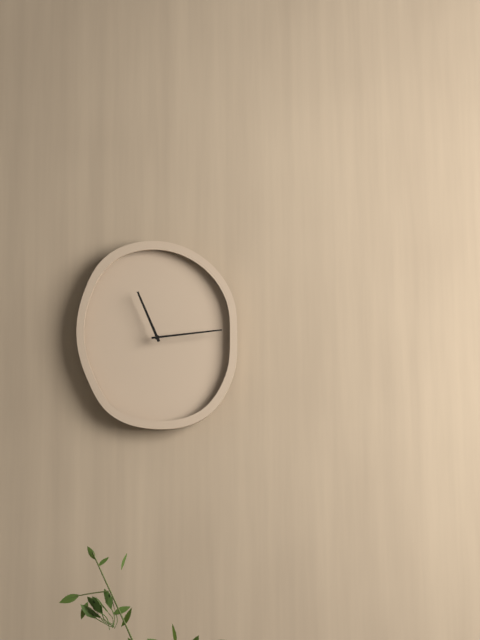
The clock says 11:14
